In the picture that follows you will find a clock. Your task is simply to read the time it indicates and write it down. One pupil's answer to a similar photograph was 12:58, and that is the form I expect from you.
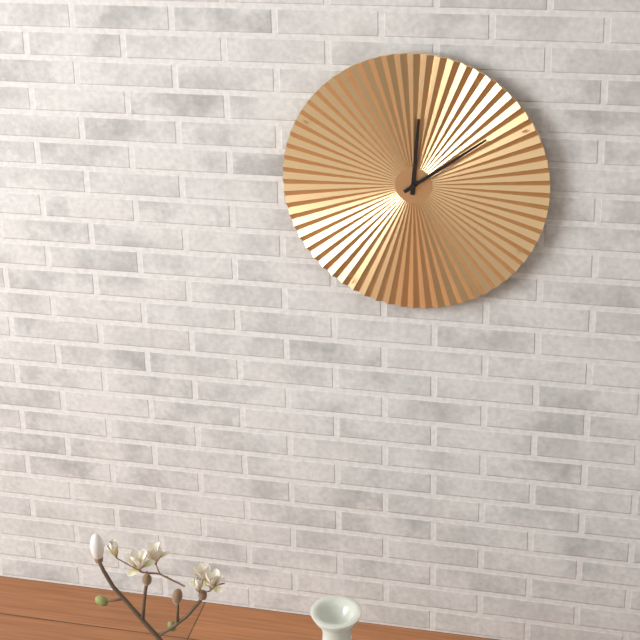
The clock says 12:09
